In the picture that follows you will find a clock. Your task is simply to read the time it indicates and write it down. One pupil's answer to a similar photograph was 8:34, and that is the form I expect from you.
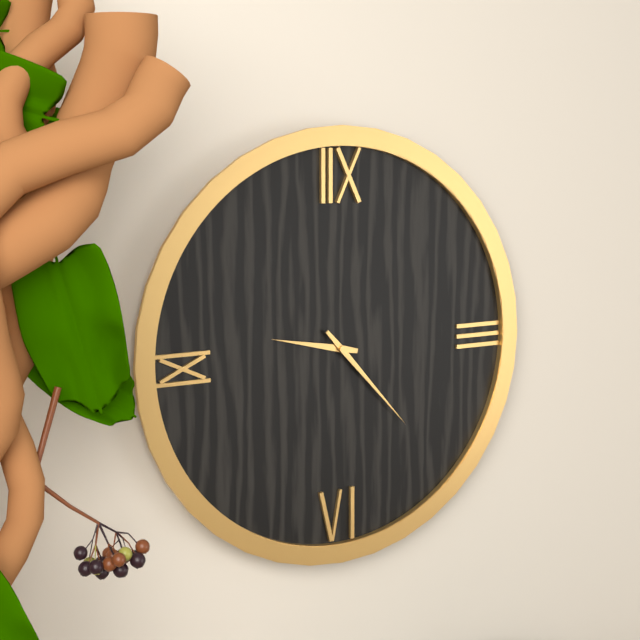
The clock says 9:23
